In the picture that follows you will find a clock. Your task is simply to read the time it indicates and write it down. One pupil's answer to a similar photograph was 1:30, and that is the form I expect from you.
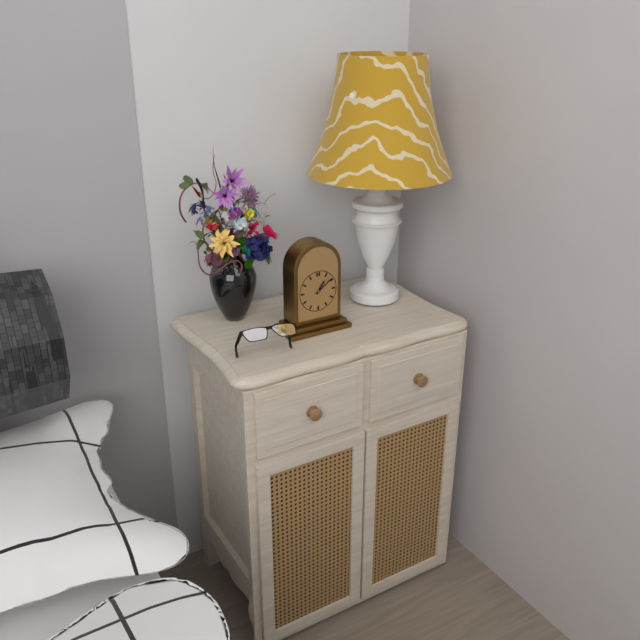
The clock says 1:09
